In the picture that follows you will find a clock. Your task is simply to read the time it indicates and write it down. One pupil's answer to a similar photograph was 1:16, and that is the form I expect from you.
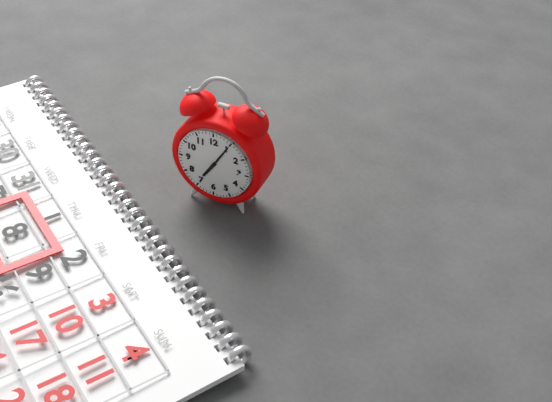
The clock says 7:05
